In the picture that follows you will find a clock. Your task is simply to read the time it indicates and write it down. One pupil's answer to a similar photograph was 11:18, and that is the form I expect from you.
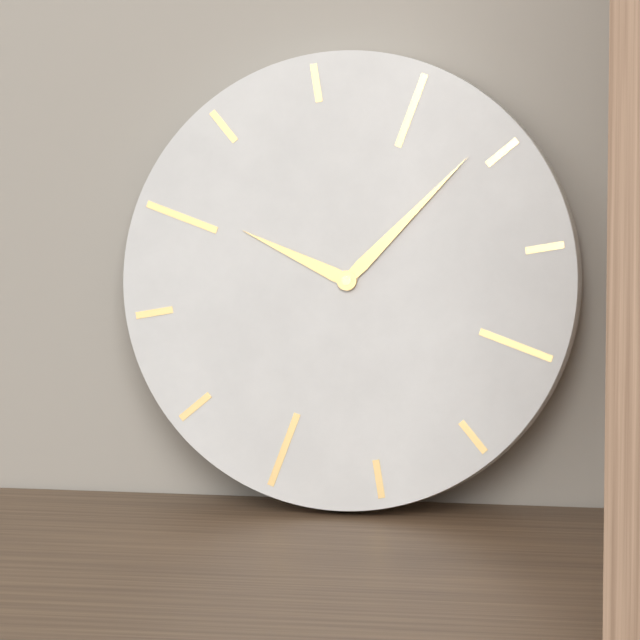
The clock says 10:09
